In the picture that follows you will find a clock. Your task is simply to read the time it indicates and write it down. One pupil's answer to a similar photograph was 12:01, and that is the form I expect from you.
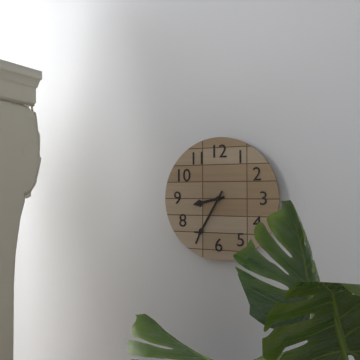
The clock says 8:35
